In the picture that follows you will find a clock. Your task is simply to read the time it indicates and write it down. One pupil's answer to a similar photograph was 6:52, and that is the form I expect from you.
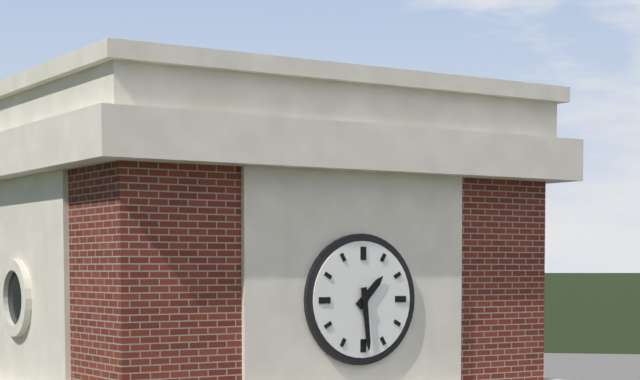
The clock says 1:29
